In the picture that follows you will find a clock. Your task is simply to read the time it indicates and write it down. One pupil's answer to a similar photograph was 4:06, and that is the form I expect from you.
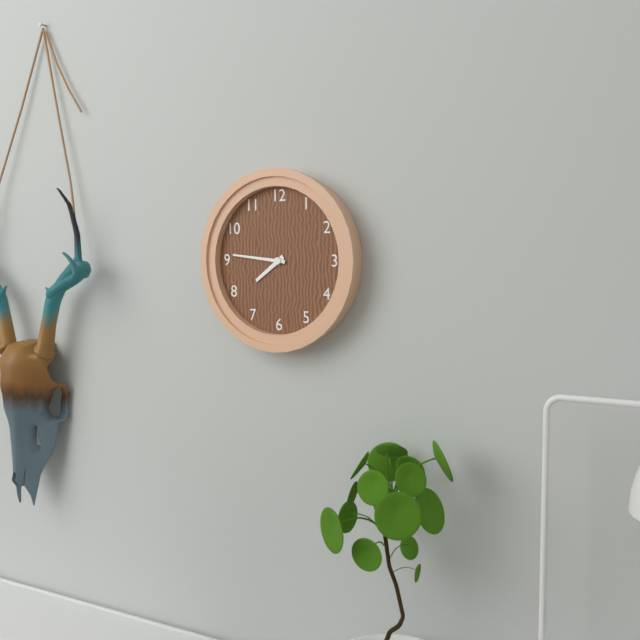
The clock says 7:46
